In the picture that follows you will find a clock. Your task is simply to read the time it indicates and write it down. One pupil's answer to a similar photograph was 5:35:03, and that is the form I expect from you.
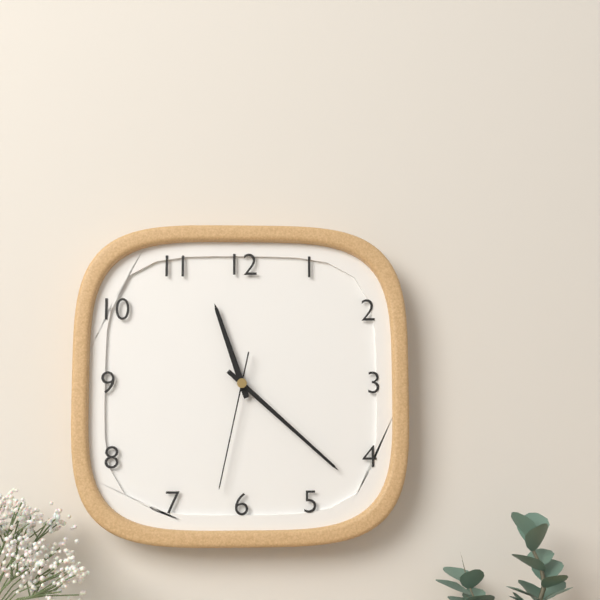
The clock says 11:22:32
